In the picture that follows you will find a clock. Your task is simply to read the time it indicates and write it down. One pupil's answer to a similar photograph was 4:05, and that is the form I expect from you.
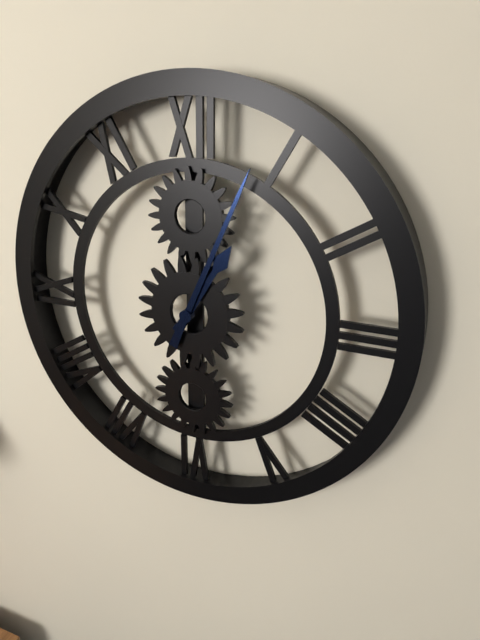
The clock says 1:04
